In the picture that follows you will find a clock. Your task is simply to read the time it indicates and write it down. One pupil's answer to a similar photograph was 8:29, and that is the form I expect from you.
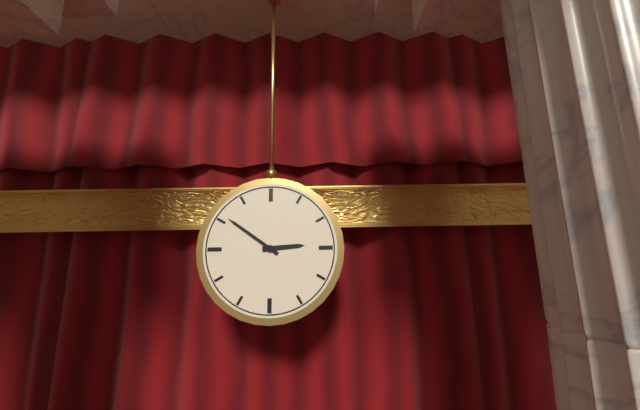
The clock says 2:51
